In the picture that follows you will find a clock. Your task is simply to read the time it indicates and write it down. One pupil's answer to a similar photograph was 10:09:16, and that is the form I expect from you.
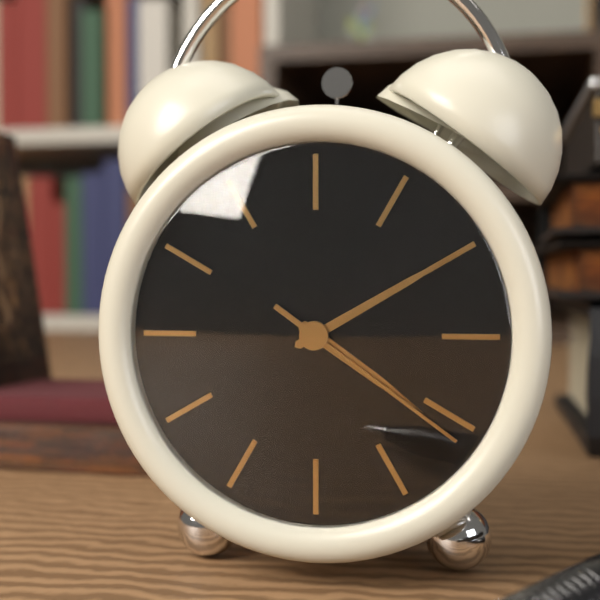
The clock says 4:10:21
